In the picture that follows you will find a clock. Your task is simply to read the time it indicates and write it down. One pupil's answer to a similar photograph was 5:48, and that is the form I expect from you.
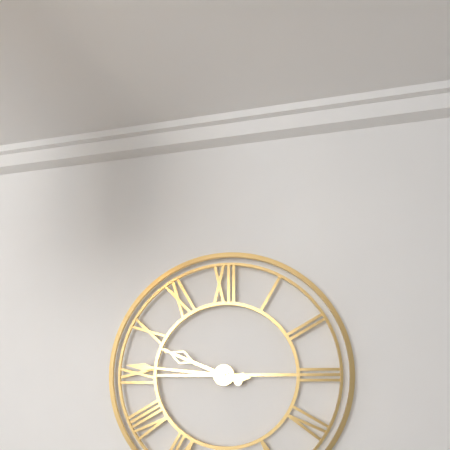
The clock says 9:46
